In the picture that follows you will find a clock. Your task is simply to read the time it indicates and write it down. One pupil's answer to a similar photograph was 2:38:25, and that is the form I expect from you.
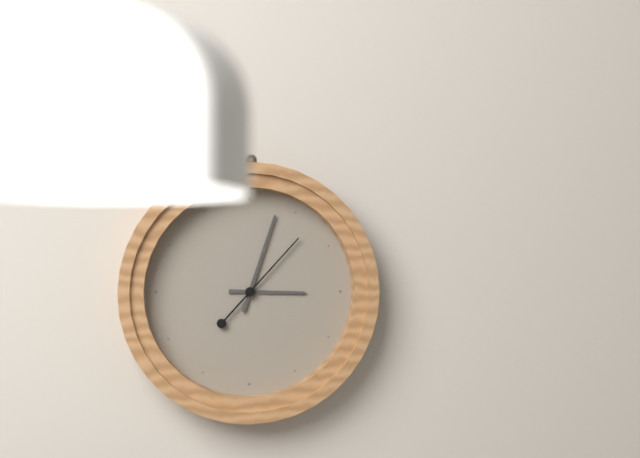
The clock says 3:03:07
